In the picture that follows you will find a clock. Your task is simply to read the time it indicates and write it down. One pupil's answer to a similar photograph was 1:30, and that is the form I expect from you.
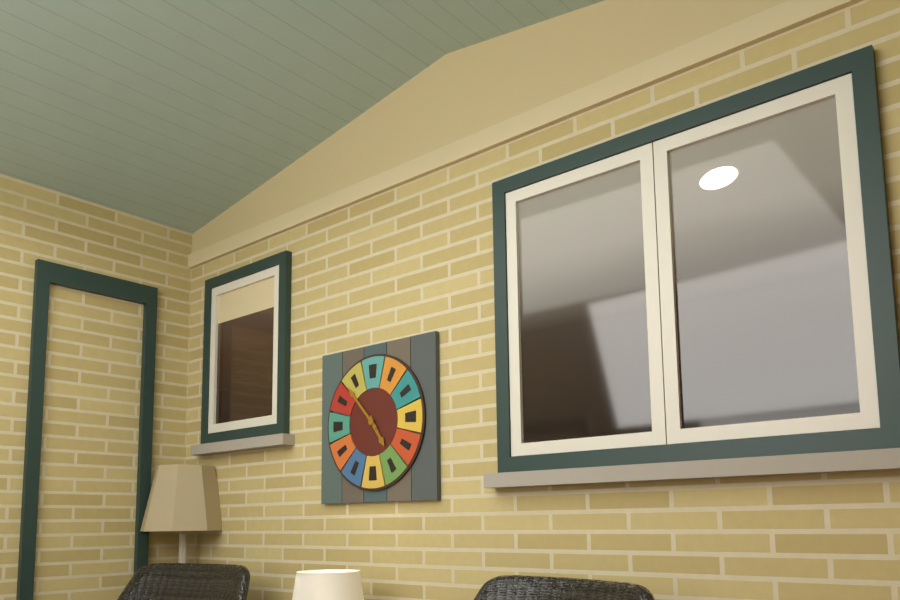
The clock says 4:53
